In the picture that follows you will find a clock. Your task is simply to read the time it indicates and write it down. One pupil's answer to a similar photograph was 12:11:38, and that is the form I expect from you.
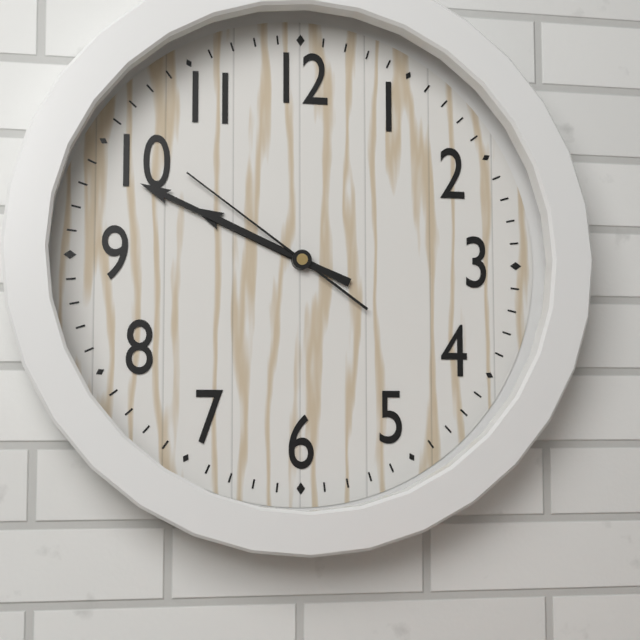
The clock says 9:49:51
